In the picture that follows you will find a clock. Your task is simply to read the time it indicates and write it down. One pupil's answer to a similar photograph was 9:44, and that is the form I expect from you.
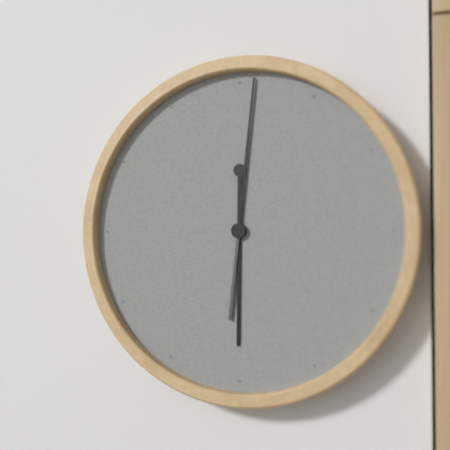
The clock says 6:01
